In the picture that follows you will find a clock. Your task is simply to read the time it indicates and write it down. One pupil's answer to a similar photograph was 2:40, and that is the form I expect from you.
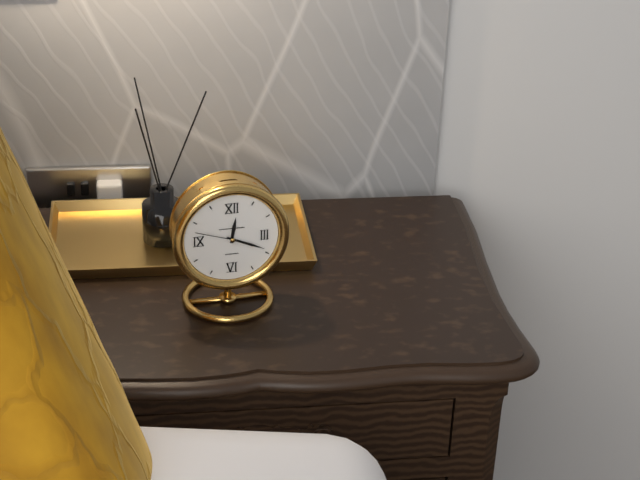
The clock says 12:19
